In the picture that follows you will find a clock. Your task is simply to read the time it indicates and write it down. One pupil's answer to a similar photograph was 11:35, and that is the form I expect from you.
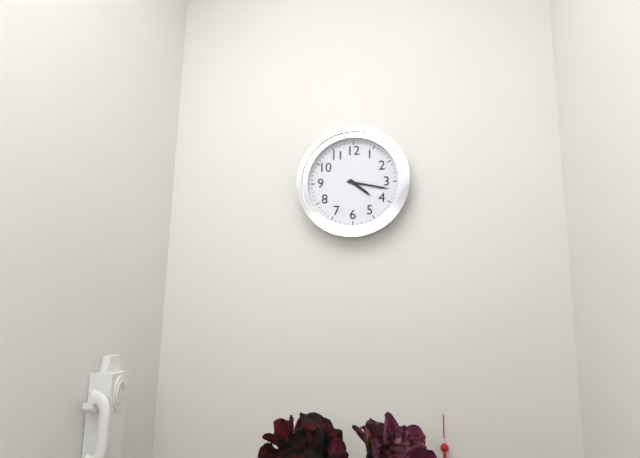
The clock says 4:17
